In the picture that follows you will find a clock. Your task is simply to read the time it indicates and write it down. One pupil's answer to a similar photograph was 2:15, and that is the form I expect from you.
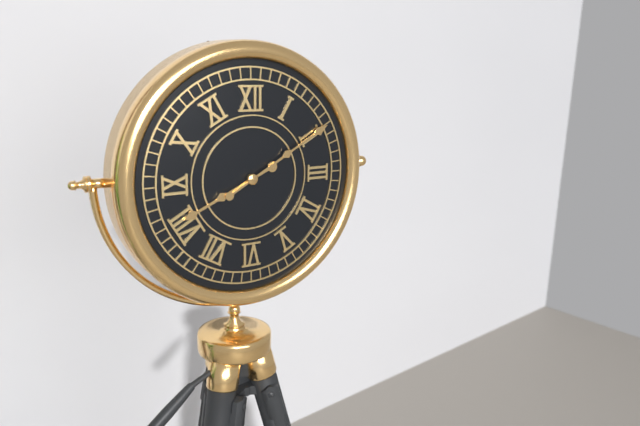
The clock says 8:10
